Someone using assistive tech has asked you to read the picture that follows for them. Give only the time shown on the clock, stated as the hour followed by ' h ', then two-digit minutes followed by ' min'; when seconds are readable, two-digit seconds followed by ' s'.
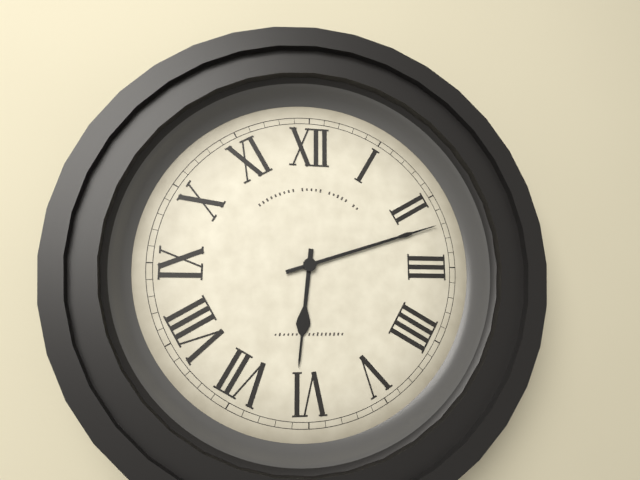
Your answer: 6 h 12 min
